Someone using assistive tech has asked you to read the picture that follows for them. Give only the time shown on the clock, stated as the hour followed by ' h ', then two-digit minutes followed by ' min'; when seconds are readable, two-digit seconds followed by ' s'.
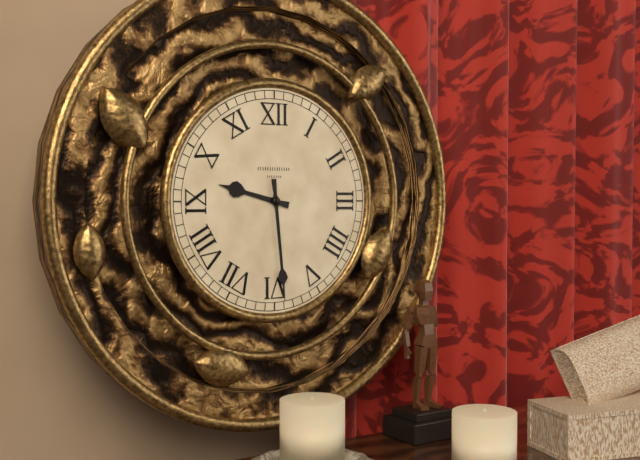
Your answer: 9 h 29 min
